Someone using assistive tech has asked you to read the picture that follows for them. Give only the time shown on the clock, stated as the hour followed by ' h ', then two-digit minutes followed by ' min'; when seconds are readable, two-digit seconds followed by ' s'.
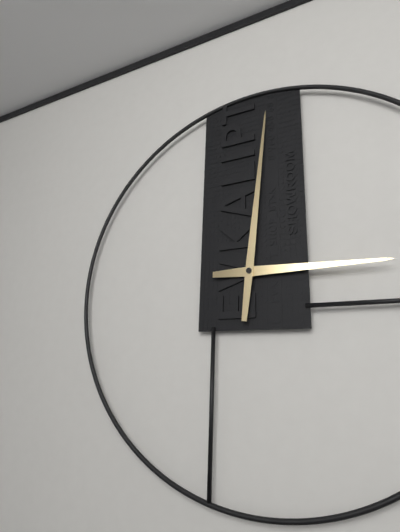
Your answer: 3 h 01 min
